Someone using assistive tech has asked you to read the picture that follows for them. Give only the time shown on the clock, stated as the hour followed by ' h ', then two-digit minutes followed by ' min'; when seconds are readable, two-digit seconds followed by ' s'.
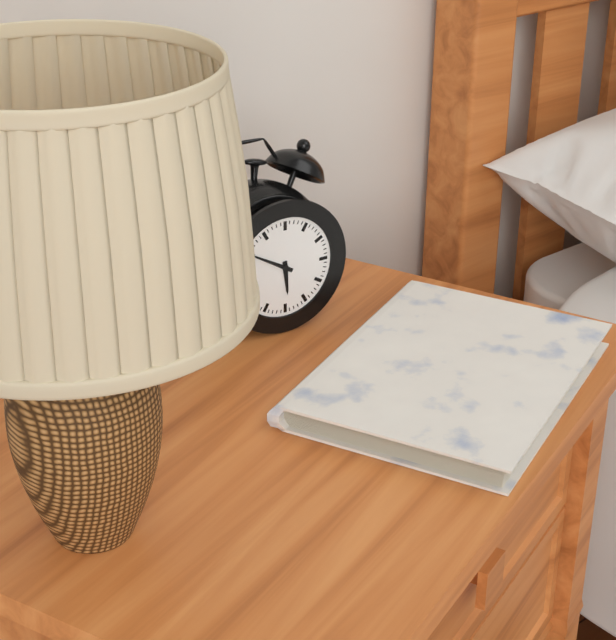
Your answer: 5 h 50 min
